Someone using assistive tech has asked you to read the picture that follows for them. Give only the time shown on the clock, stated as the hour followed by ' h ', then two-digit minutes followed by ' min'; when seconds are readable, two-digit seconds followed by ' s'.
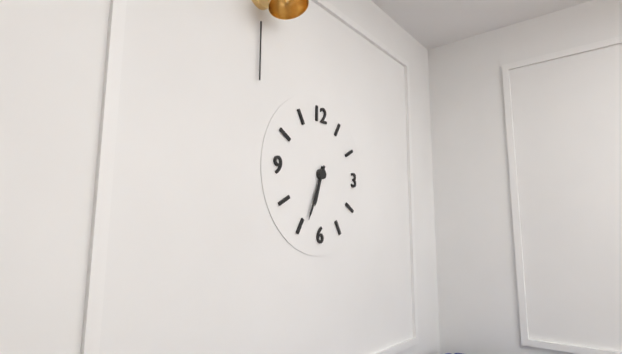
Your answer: 6 h 34 min
